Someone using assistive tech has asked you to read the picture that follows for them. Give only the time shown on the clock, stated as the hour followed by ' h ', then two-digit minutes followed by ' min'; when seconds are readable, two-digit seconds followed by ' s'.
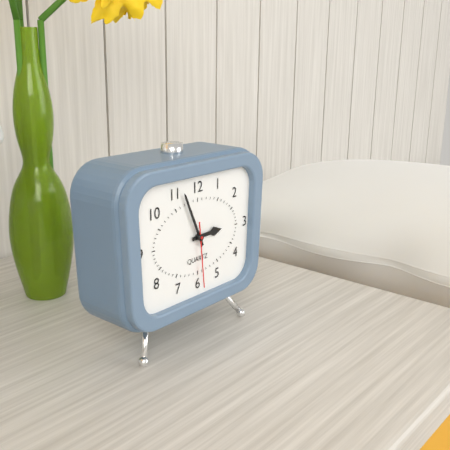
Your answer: 2 h 56 min 29 s
